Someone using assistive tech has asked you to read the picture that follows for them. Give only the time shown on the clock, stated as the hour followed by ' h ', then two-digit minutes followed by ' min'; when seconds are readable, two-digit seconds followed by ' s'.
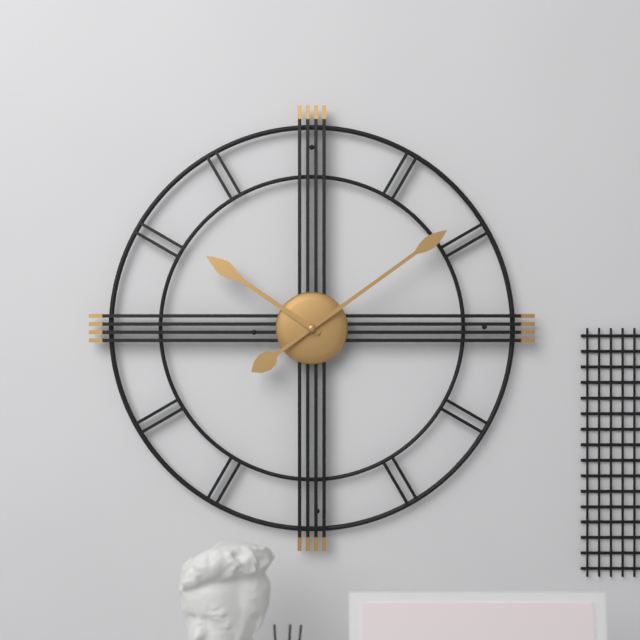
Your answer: 10 h 09 min
